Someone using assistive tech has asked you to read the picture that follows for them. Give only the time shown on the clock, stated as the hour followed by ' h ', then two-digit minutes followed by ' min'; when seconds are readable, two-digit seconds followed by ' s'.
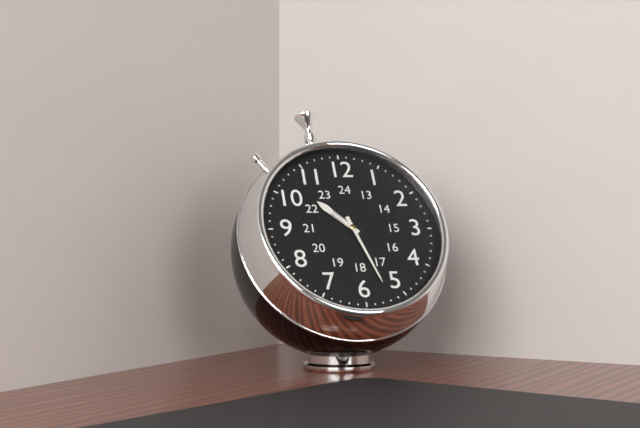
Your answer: 10 h 27 min
